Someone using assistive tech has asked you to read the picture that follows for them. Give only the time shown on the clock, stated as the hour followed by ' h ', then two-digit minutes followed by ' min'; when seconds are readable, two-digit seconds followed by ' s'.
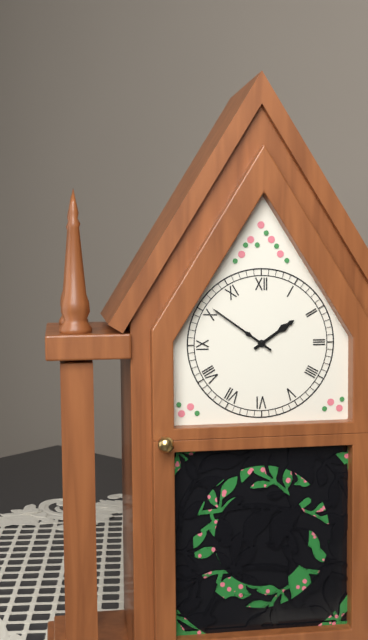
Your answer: 1 h 51 min
